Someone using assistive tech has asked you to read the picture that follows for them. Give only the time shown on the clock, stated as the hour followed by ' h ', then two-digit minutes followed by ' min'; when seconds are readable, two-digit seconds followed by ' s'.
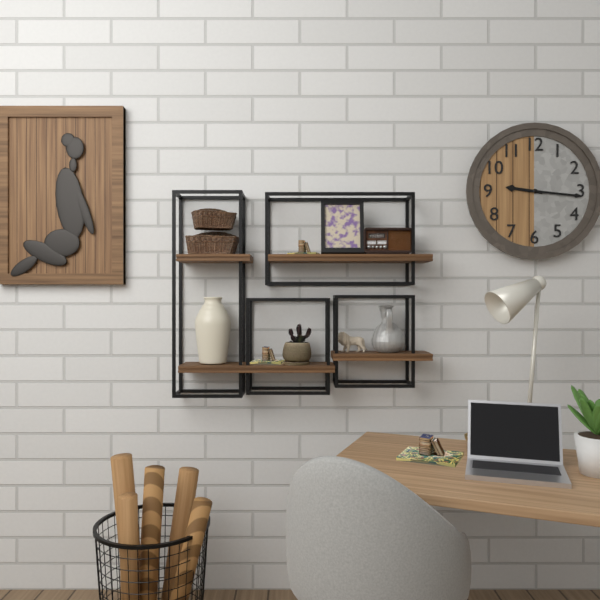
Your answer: 9 h 16 min
